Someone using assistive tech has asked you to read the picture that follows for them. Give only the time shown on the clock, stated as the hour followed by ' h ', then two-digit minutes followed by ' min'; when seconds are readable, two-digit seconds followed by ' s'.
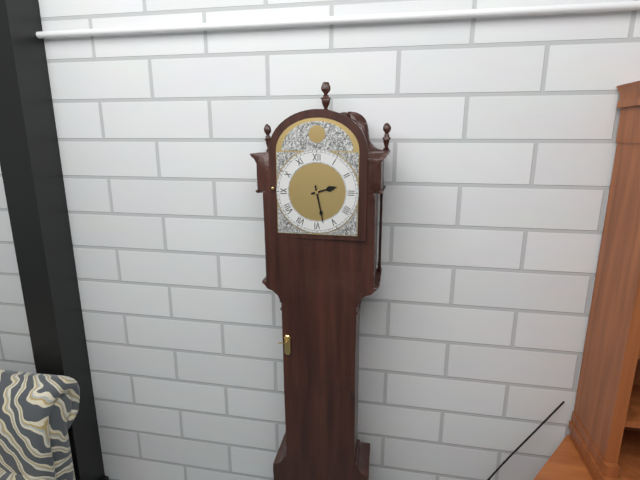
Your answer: 2 h 28 min
